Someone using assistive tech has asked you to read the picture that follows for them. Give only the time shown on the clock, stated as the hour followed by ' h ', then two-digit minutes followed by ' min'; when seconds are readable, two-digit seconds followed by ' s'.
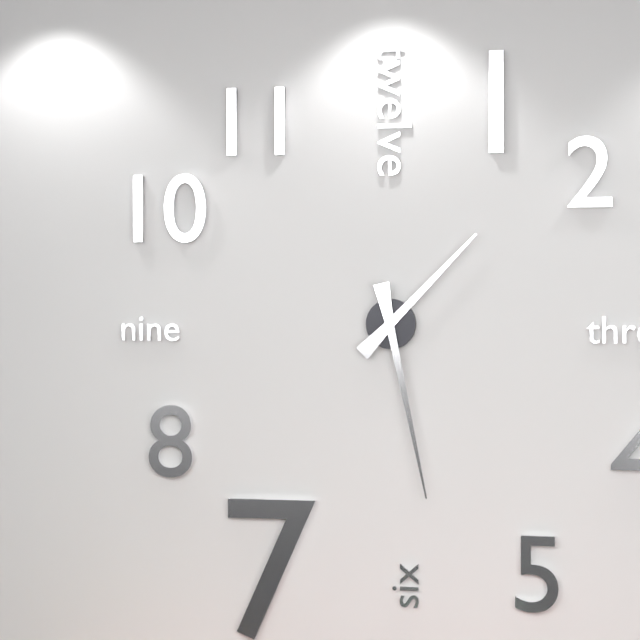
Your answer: 1 h 28 min
